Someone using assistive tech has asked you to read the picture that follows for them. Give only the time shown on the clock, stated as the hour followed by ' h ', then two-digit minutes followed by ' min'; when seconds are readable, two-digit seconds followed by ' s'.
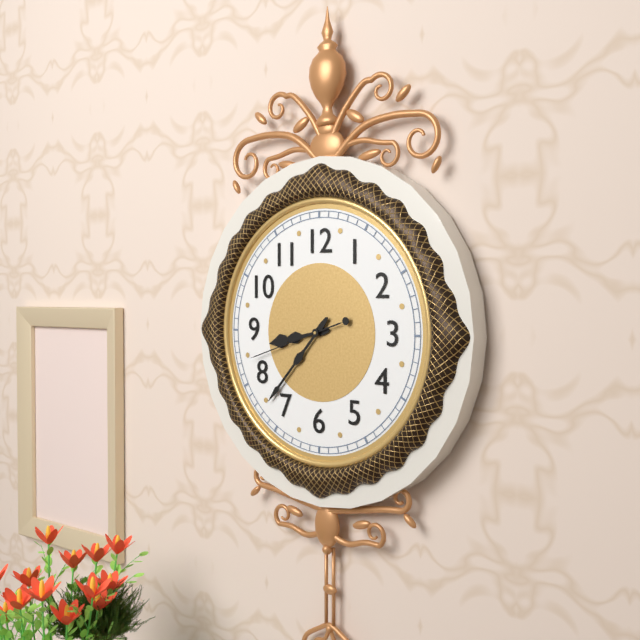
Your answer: 8 h 37 min 42 s
